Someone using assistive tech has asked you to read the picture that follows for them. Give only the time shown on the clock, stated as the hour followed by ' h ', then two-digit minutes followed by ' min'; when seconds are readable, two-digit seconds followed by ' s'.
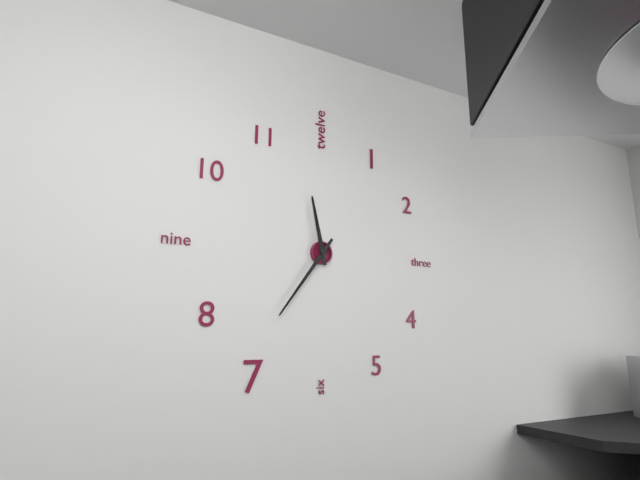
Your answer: 11 h 36 min
